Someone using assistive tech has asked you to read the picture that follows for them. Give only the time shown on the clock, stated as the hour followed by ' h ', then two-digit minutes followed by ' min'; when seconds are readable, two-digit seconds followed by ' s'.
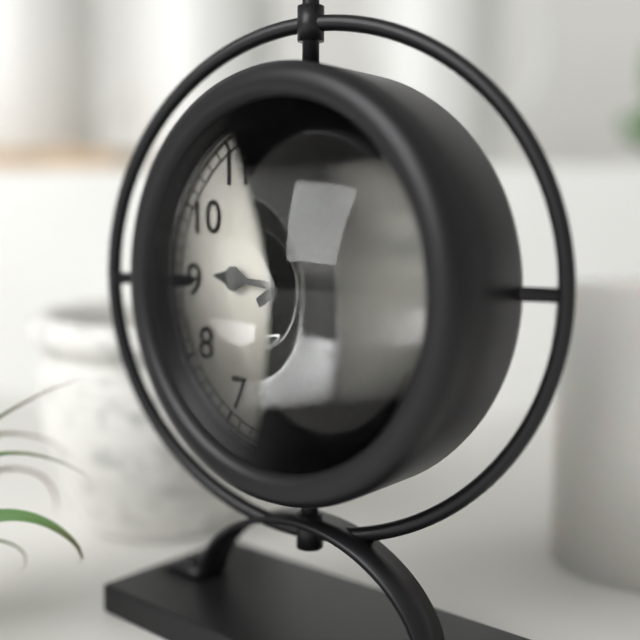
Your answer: 9 h 10 min
